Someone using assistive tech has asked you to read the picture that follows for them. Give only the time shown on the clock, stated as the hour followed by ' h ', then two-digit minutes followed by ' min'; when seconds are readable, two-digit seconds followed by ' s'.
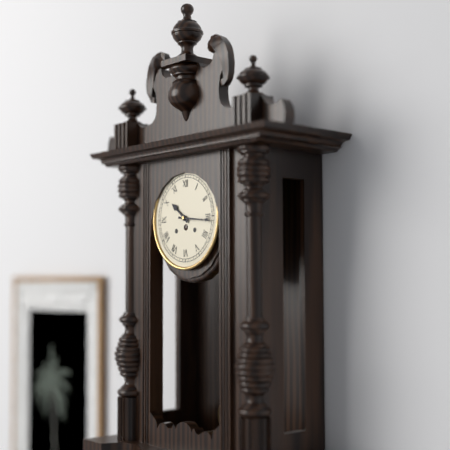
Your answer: 10 h 16 min
